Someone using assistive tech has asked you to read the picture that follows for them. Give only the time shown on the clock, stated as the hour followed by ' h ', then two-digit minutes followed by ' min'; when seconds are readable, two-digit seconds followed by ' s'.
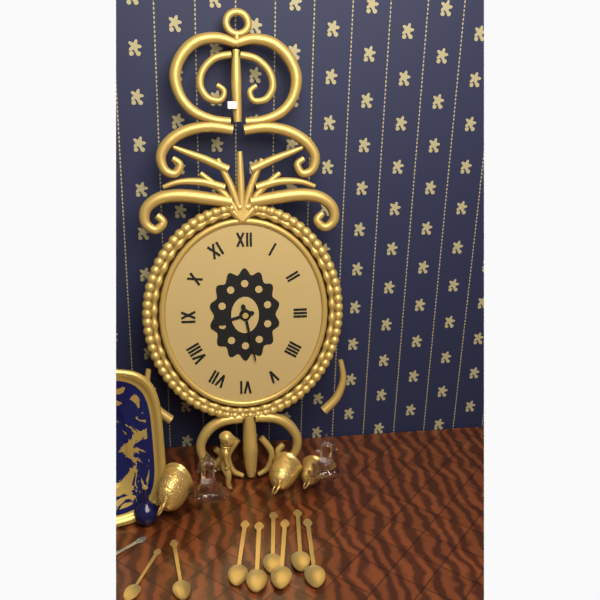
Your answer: 8 h 28 min
